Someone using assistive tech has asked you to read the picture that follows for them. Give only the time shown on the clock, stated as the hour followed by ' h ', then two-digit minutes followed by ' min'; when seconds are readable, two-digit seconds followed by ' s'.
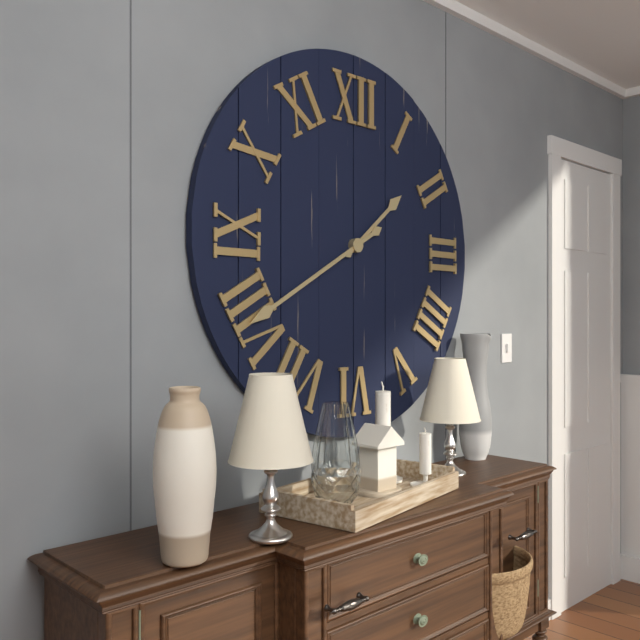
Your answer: 1 h 40 min
